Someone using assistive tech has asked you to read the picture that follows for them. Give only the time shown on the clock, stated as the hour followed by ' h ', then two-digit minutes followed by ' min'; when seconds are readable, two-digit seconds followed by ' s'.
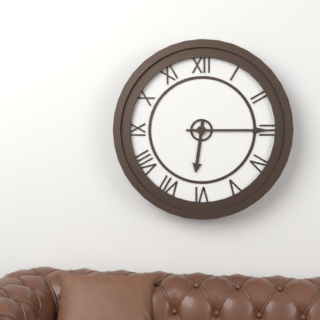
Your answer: 6 h 15 min
